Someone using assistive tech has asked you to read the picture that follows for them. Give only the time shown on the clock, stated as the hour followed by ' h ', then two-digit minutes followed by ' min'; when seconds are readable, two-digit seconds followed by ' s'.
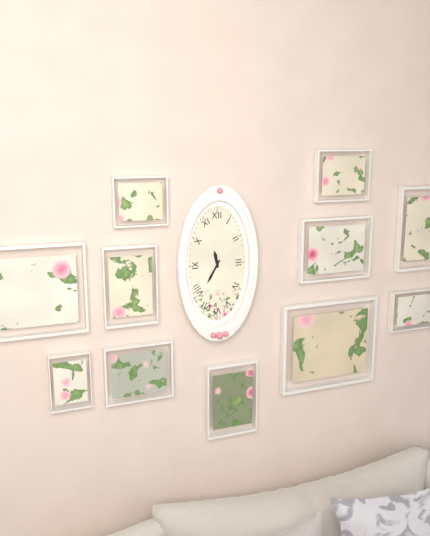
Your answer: 11 h 35 min
